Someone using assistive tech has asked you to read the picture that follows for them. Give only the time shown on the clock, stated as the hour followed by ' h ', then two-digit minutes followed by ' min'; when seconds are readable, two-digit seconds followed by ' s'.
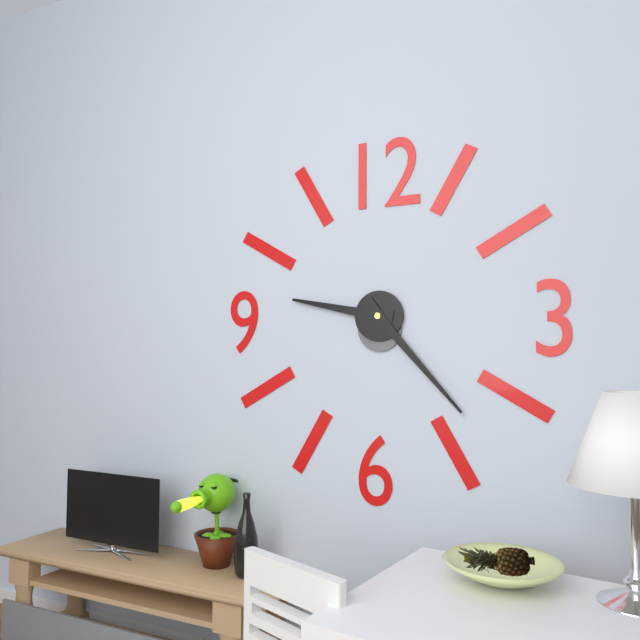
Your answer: 9 h 23 min
